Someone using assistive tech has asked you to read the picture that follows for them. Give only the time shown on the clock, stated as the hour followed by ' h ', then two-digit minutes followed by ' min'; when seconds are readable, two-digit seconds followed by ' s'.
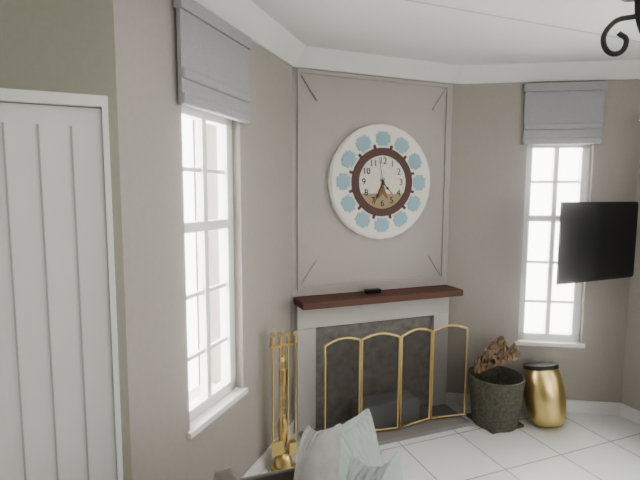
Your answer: 4 h 34 min
